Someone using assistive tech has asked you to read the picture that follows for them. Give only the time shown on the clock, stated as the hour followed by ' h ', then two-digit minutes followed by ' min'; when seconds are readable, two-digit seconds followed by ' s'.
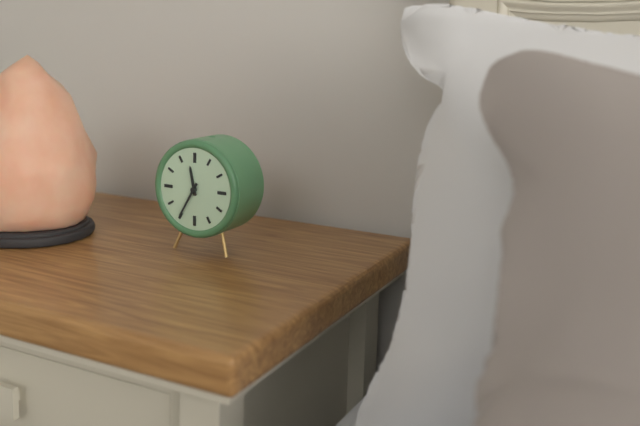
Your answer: 11 h 35 min
